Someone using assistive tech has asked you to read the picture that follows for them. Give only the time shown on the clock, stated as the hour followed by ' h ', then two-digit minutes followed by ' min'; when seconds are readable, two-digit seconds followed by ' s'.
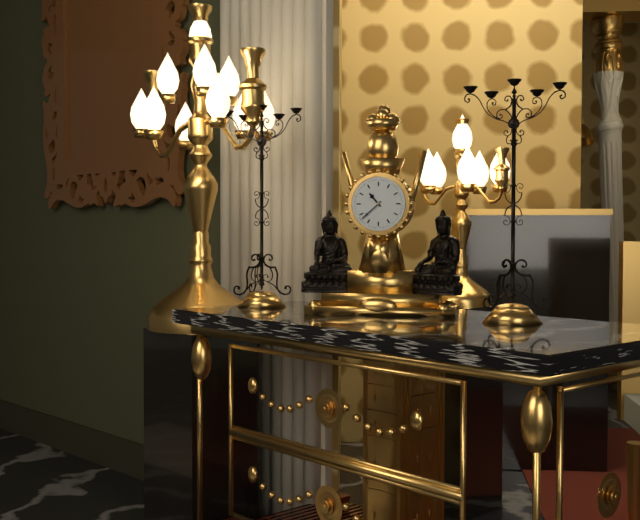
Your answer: 10 h 38 min
